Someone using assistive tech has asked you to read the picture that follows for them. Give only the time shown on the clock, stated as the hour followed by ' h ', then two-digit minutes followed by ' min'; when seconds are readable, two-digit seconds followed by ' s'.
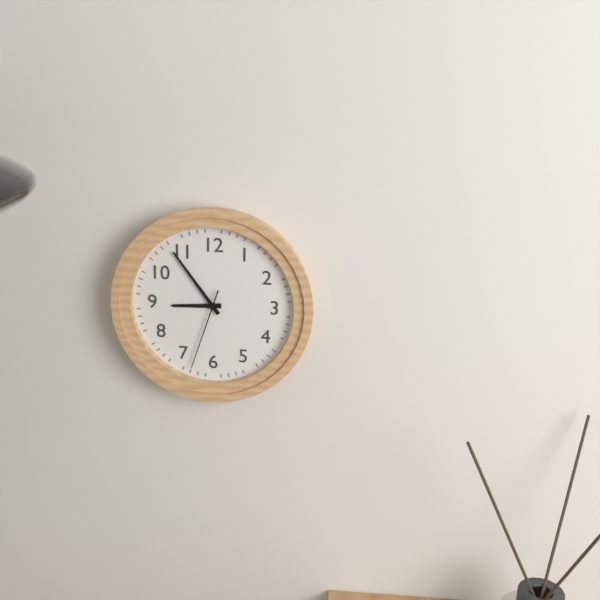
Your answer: 8 h 54 min 33 s
